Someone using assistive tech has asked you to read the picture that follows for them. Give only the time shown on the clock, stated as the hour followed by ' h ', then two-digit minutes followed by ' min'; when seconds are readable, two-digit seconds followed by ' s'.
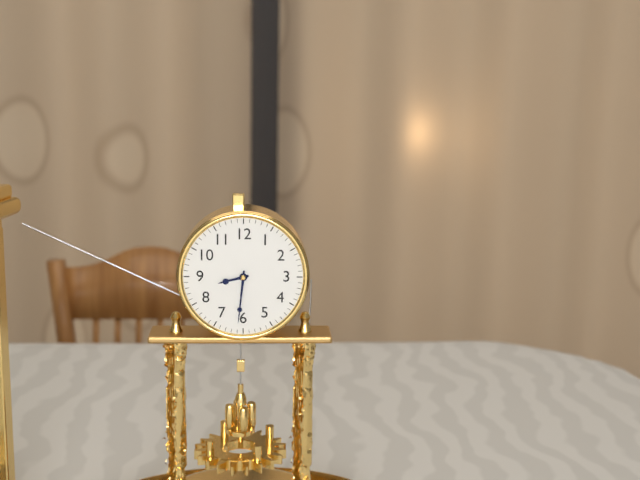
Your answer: 8 h 31 min
